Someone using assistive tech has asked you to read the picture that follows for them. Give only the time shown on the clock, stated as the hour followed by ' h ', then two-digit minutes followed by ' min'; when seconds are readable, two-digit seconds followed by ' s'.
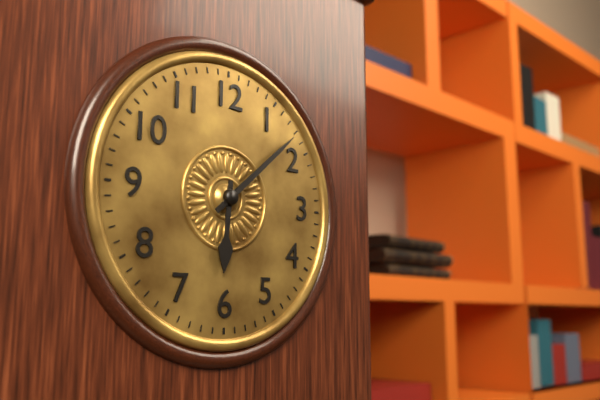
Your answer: 6 h 08 min
